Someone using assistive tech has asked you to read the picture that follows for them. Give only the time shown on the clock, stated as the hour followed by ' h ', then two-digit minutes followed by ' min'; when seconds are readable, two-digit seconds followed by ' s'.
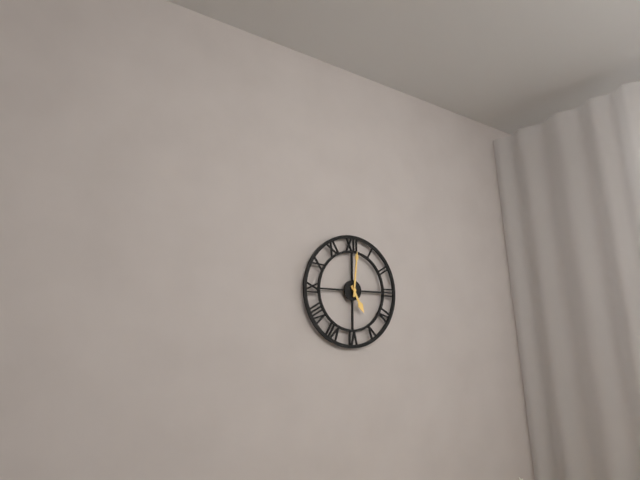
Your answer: 5 h 01 min
